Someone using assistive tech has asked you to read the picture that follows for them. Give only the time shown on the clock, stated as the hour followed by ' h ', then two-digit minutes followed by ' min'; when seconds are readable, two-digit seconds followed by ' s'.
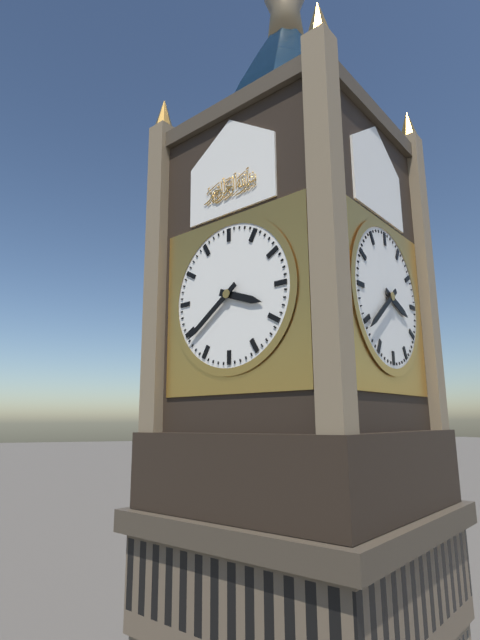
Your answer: 3 h 39 min
